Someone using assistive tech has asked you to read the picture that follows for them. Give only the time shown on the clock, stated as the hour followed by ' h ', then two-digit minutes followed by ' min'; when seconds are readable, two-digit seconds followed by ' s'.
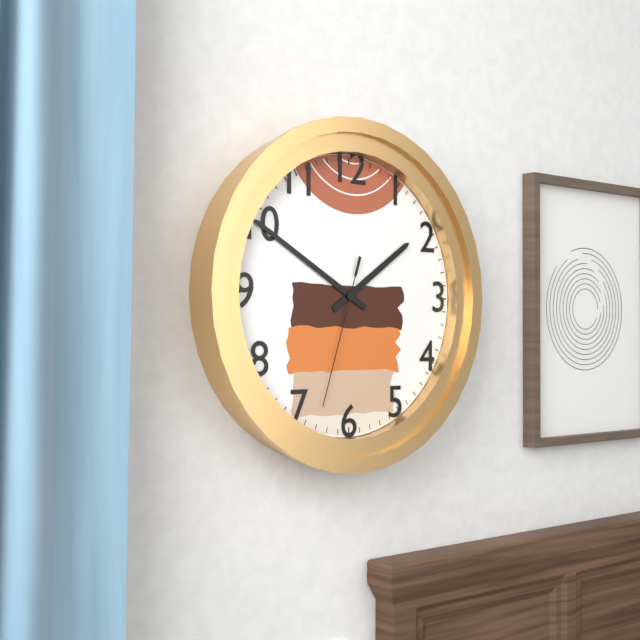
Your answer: 1 h 50 min 33 s
